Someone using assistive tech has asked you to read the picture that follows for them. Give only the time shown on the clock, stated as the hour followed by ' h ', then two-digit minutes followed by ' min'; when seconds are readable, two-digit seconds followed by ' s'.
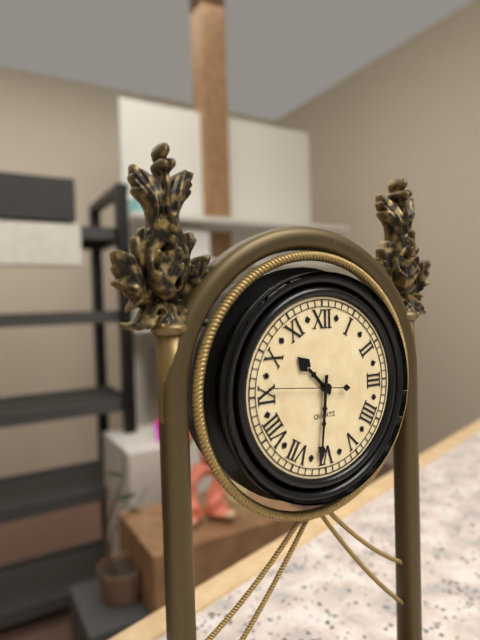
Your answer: 10 h 31 min 46 s
